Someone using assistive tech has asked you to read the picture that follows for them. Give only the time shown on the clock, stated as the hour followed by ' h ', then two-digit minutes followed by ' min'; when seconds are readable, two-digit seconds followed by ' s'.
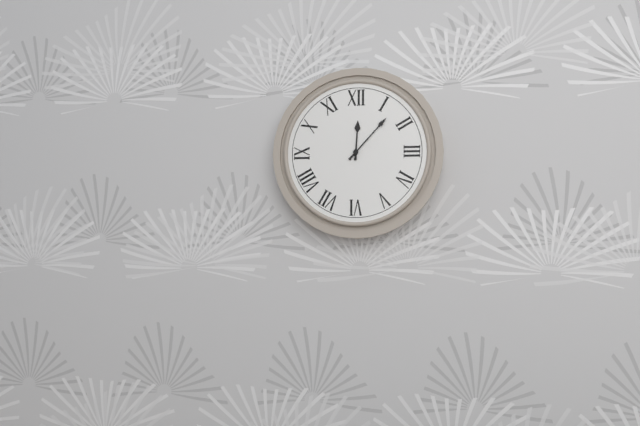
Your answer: 12 h 07 min
